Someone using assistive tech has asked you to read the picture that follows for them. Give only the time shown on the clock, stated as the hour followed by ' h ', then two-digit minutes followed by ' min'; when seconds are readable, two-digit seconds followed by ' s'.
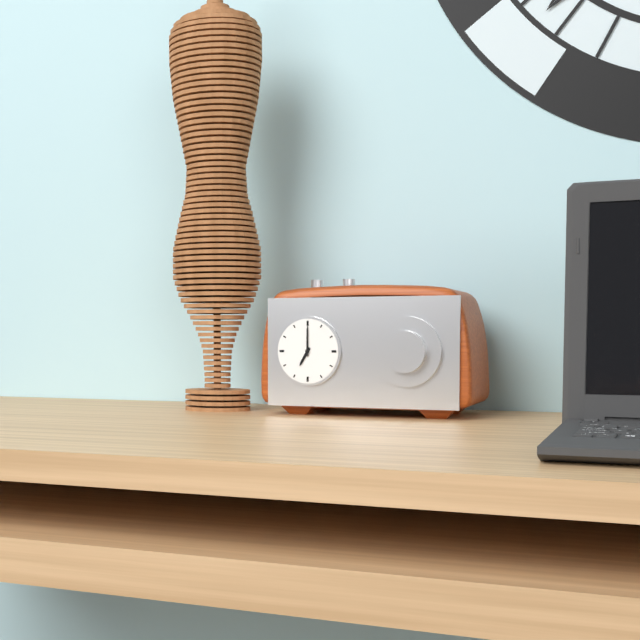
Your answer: 7 h 00 min
